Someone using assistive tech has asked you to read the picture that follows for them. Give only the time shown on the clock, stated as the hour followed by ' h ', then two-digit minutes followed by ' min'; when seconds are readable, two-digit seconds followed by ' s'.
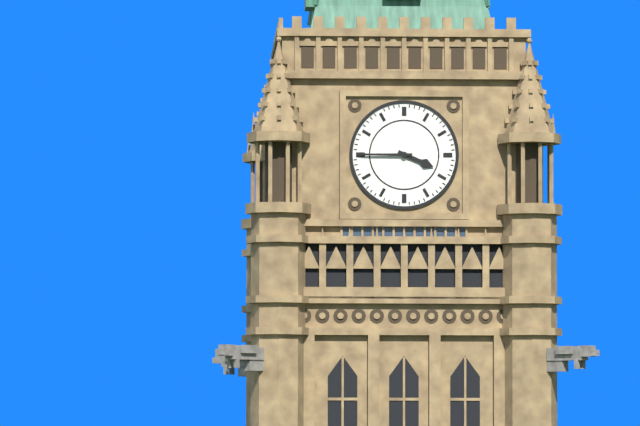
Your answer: 3 h 45 min
